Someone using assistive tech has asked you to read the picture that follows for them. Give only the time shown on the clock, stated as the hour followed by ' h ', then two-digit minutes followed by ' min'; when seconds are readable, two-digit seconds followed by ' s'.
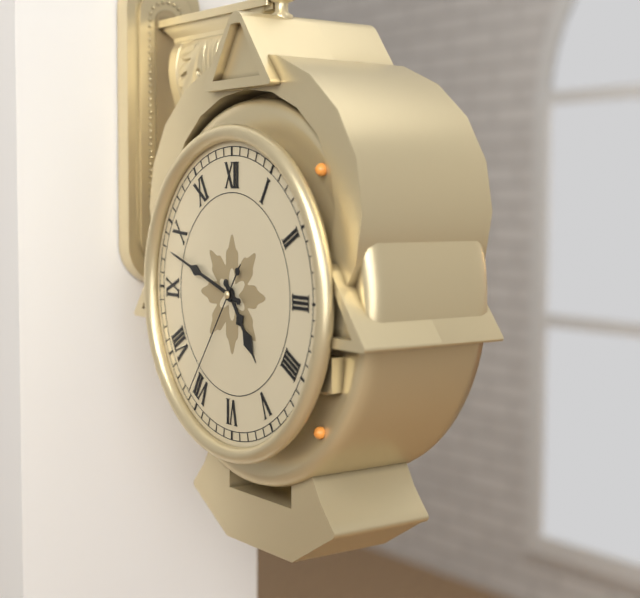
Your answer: 4 h 48 min 36 s
